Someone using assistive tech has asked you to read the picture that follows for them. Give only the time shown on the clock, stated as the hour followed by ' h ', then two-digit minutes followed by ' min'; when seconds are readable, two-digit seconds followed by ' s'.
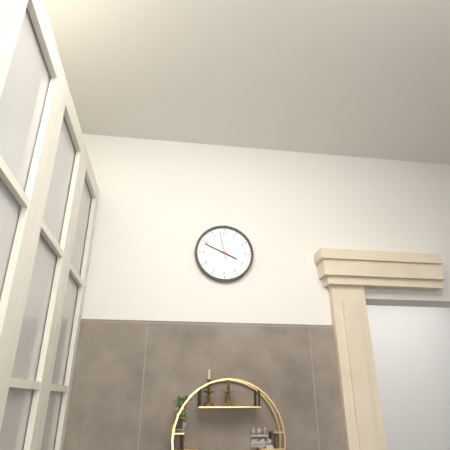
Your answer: 3 h 49 min
